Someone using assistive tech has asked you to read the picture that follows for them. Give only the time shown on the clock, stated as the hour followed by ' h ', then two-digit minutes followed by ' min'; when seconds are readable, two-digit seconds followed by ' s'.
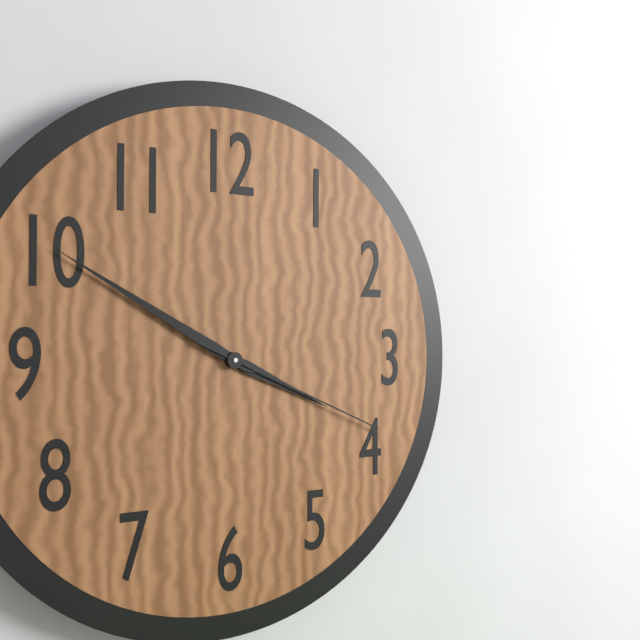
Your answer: 3 h 50 min 19 s
